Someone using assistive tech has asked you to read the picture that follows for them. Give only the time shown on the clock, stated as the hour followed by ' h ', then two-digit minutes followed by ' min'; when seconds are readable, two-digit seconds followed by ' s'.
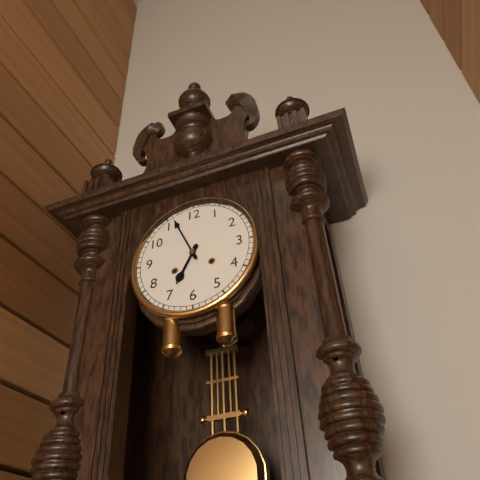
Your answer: 6 h 56 min
